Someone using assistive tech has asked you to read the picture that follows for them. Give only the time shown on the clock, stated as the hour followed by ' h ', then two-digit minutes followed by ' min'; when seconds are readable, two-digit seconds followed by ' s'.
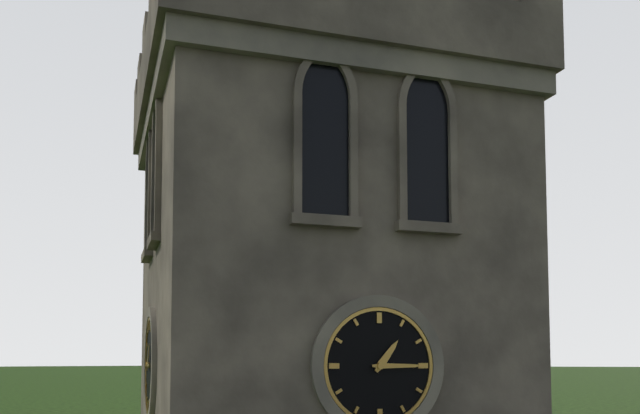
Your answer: 1 h 15 min
